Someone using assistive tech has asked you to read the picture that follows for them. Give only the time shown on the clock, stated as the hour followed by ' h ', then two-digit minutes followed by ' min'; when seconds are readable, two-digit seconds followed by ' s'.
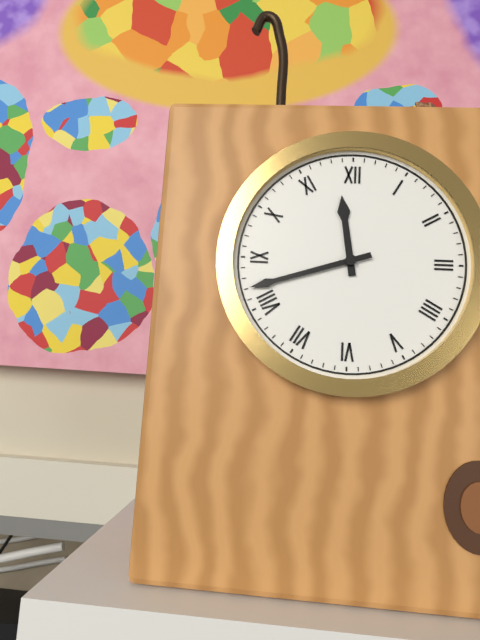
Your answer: 11 h 42 min
